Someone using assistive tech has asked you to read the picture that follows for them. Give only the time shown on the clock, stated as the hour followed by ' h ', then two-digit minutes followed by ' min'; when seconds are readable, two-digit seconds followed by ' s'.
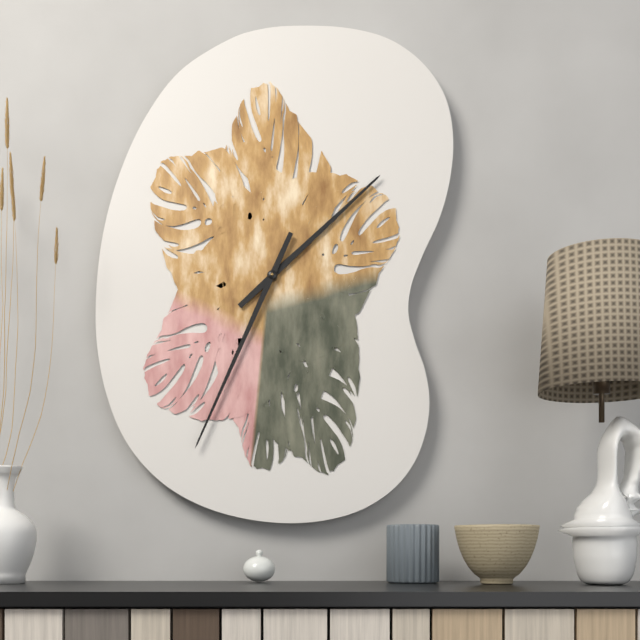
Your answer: 1 h 34 min
